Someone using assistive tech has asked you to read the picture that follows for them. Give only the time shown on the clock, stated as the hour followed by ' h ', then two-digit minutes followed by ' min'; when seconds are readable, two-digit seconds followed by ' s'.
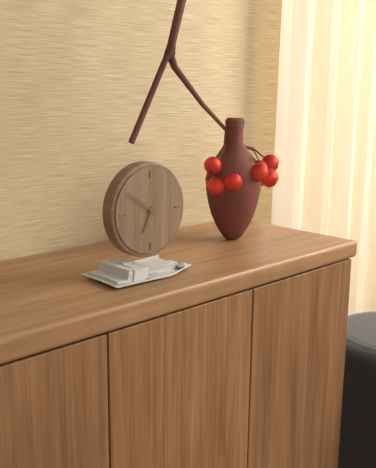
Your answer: 6 h 51 min
